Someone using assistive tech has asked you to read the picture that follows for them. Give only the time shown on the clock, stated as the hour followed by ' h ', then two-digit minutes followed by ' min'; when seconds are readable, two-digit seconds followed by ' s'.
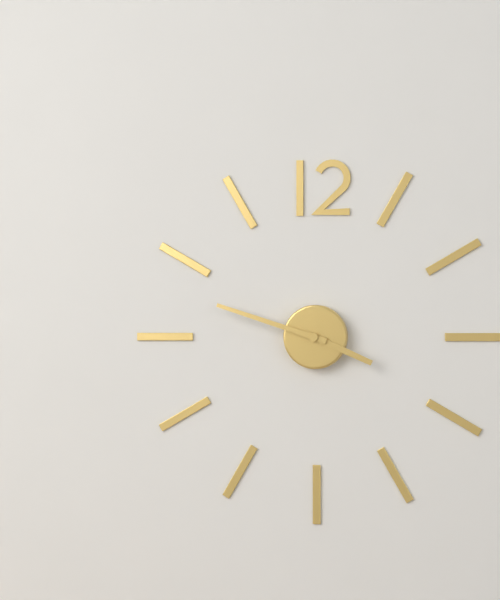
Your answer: 3 h 48 min
